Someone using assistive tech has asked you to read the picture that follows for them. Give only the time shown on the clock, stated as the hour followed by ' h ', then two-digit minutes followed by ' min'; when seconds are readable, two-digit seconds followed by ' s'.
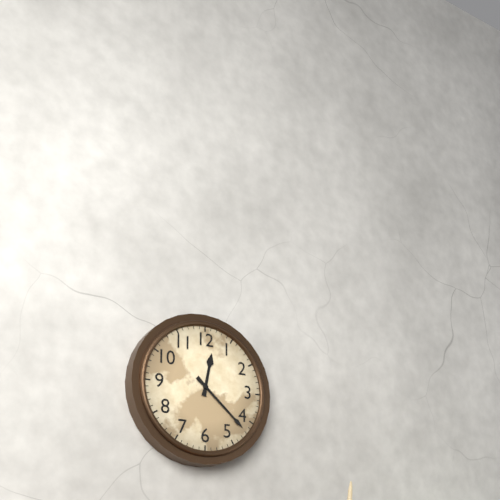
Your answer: 12 h 22 min
